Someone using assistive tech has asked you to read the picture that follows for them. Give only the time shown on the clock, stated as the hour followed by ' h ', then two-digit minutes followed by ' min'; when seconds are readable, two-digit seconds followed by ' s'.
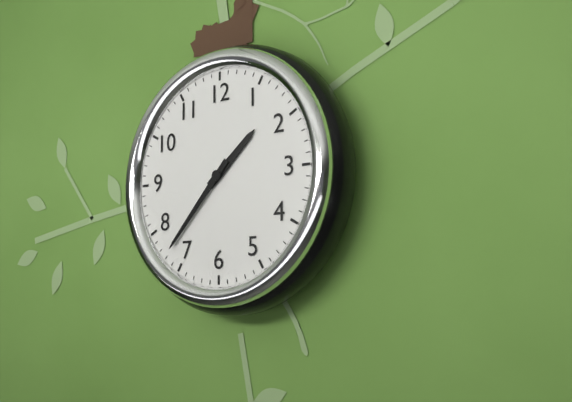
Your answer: 1 h 37 min
